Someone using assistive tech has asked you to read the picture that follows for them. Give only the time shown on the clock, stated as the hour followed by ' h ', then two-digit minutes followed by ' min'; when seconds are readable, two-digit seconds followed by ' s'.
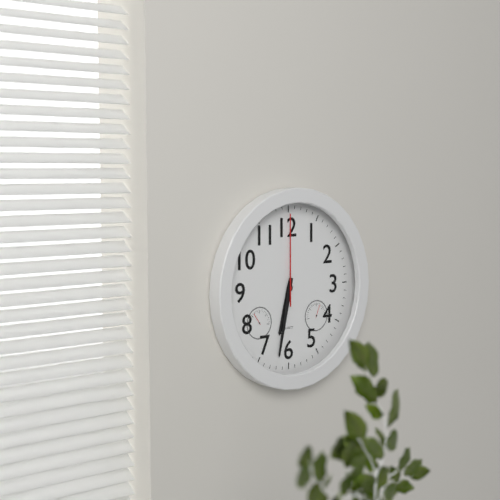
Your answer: 6 h 32 min 00 s
